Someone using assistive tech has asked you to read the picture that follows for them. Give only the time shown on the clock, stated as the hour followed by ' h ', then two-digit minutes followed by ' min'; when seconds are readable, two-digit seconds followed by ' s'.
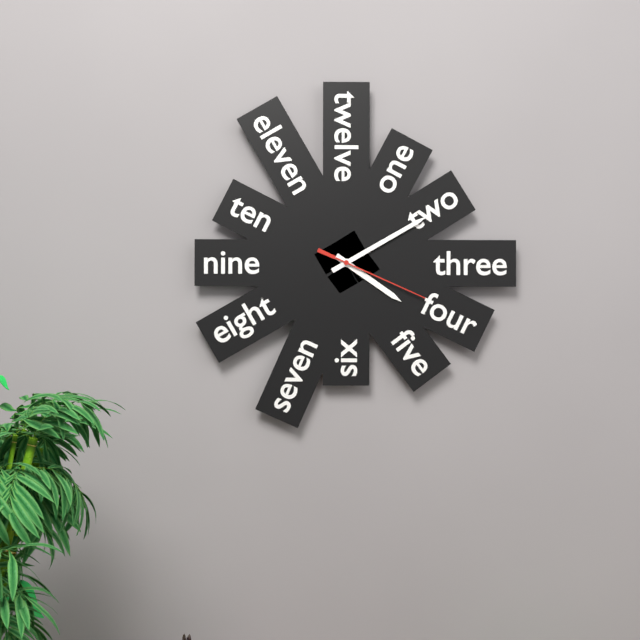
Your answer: 4 h 10 min 19 s
